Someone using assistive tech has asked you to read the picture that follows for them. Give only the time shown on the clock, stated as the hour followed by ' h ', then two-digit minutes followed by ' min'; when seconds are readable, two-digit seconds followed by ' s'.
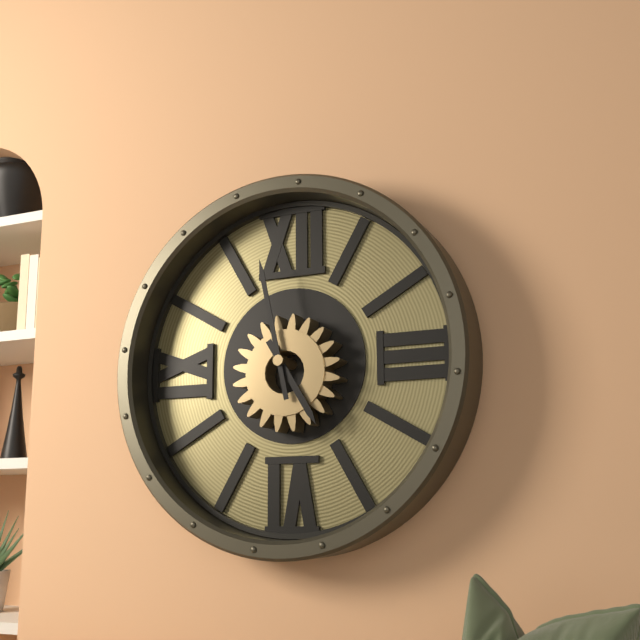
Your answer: 4 h 58 min
